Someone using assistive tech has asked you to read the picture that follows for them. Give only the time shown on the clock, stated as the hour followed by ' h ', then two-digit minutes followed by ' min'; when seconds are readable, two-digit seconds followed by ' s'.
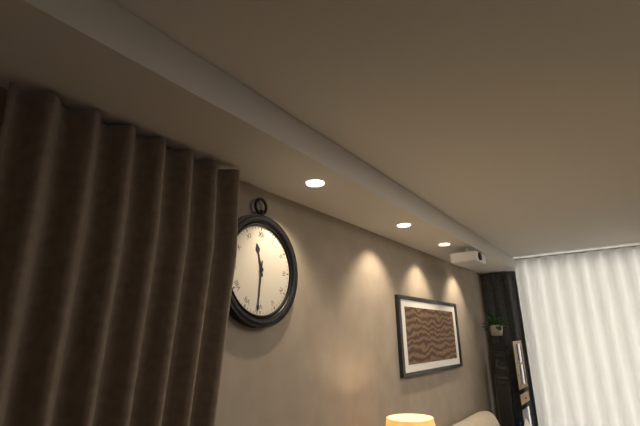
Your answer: 11 h 31 min
